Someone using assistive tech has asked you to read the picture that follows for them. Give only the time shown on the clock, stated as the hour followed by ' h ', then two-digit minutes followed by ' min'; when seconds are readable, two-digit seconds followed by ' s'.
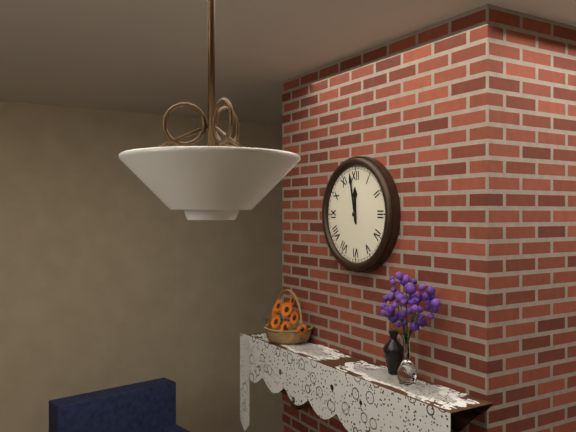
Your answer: 11 h 58 min
